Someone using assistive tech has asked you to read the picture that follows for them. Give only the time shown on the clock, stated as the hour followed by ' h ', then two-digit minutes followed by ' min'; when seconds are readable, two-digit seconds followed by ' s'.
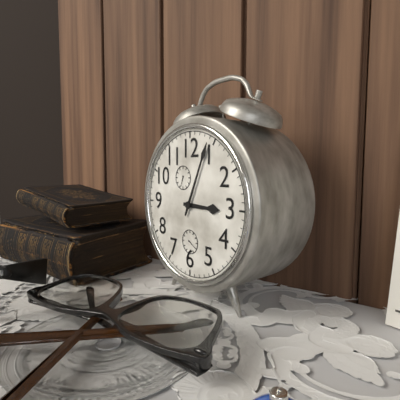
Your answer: 3 h 04 min
